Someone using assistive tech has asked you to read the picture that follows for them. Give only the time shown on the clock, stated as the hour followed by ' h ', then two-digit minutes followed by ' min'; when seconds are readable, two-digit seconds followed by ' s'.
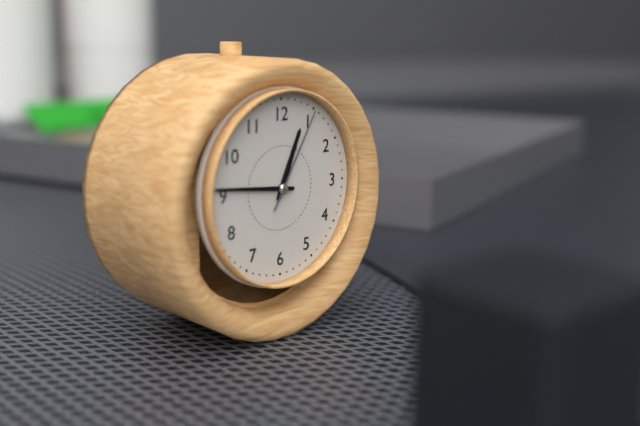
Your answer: 12 h 46 min 05 s
